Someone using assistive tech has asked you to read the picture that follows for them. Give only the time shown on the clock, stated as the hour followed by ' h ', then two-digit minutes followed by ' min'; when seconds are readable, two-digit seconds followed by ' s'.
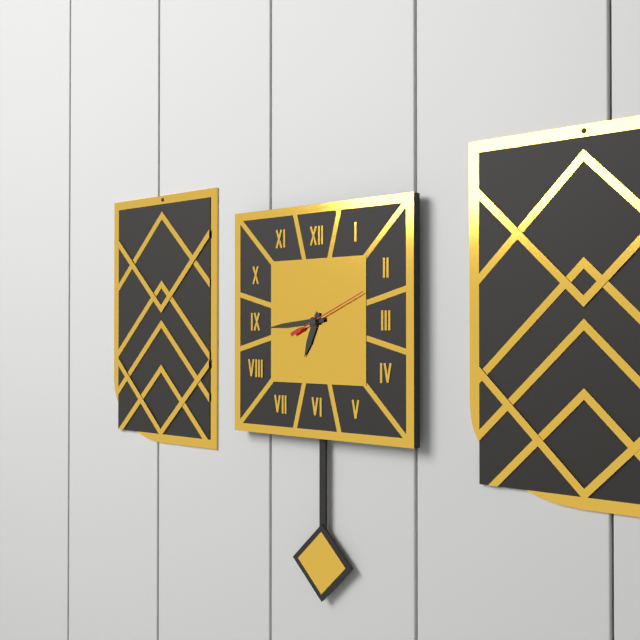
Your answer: 6 h 44 min 11 s
